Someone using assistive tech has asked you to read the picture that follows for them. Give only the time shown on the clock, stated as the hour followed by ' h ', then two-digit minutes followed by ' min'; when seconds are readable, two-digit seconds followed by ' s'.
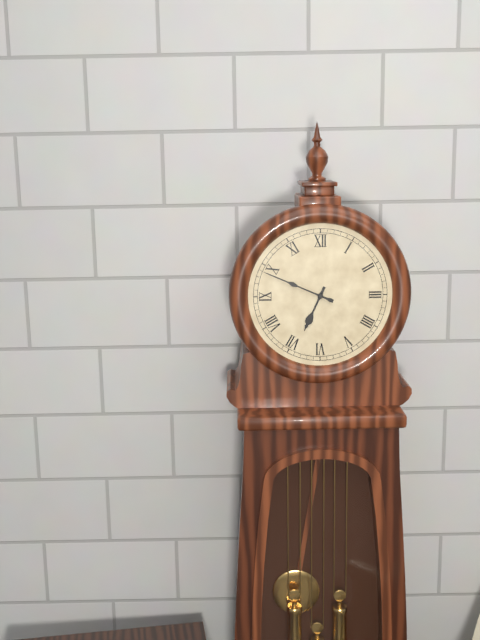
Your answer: 6 h 49 min
